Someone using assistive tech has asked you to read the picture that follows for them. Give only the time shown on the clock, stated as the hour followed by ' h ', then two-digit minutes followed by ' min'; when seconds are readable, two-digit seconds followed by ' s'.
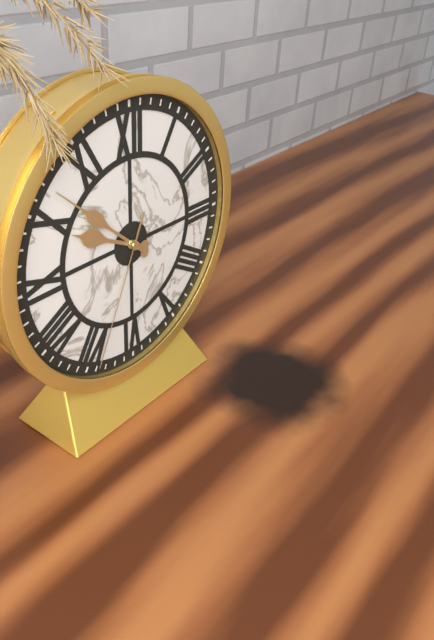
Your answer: 9 h 52 min 34 s
